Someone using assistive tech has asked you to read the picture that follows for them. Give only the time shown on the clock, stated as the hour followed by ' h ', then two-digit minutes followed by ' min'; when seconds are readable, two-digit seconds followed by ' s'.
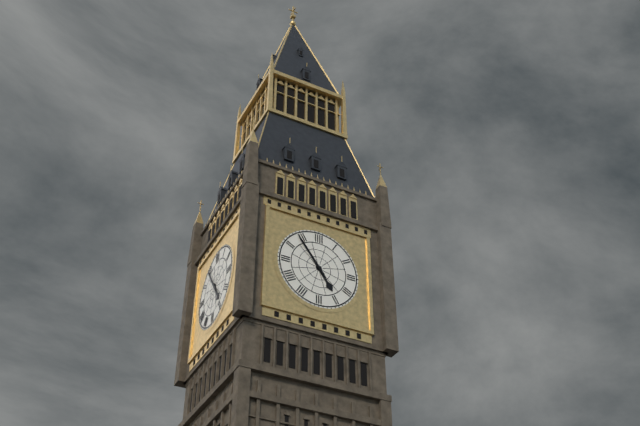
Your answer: 4 h 54 min
